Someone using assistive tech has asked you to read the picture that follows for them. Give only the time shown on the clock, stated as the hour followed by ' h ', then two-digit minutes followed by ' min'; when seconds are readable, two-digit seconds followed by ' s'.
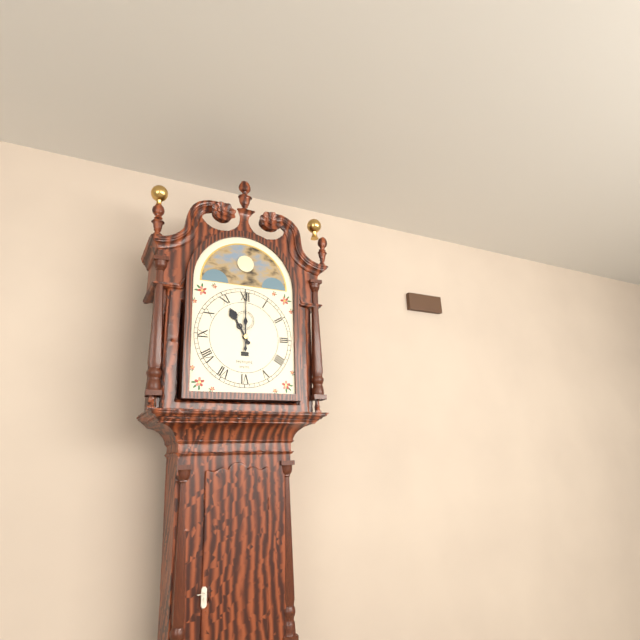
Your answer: 11 h 00 min
